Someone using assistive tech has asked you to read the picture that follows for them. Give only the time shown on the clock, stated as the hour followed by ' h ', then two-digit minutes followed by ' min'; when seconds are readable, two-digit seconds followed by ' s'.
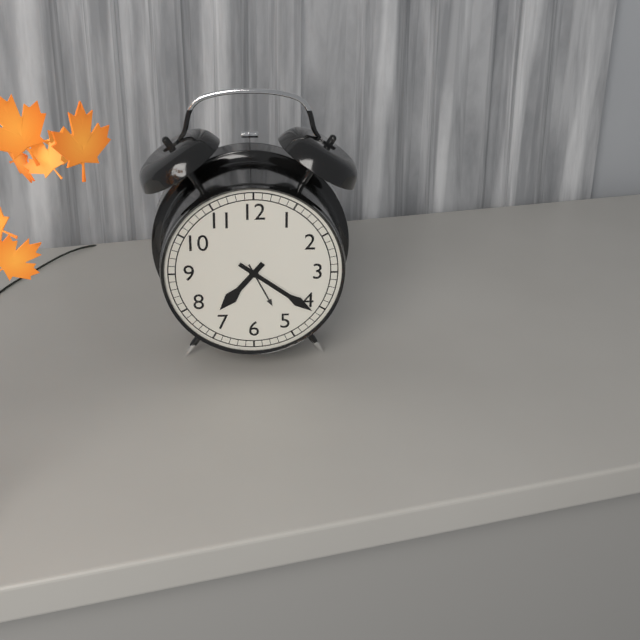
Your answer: 7 h 21 min
